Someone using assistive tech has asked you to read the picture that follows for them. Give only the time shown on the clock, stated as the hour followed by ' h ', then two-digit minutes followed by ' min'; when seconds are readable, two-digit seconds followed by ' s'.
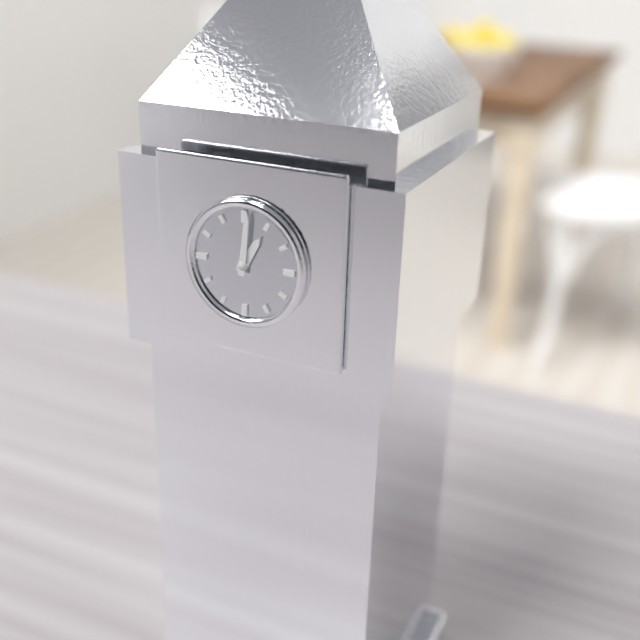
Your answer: 1 h 01 min
